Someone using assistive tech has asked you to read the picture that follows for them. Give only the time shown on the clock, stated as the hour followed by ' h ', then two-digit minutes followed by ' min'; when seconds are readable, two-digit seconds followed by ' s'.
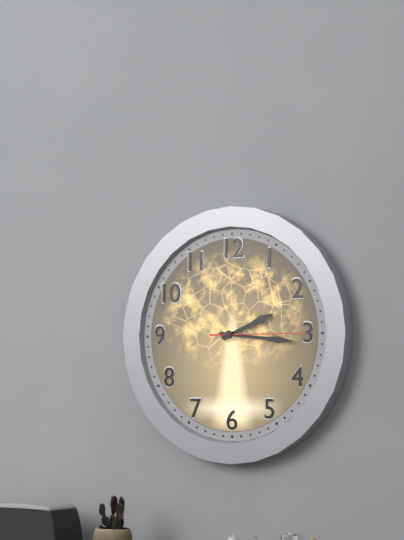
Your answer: 2 h 16 min 15 s
